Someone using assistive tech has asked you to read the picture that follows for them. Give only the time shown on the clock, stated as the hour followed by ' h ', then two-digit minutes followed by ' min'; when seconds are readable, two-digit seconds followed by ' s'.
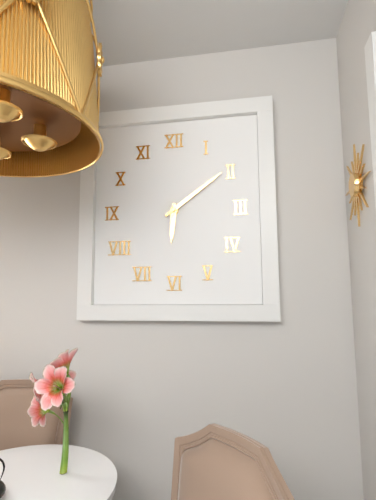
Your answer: 6 h 09 min
